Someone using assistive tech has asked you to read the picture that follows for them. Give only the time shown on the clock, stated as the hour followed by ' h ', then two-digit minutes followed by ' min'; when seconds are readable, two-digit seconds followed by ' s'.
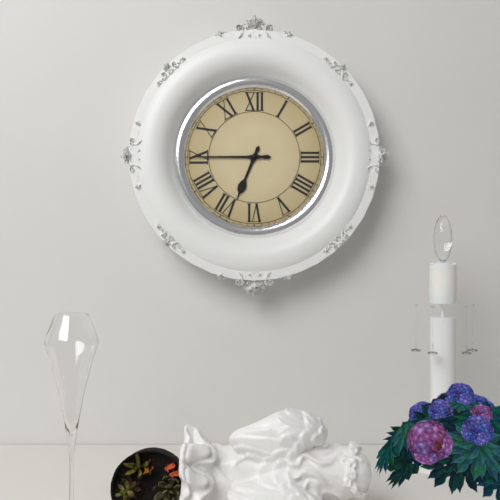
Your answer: 6 h 45 min
